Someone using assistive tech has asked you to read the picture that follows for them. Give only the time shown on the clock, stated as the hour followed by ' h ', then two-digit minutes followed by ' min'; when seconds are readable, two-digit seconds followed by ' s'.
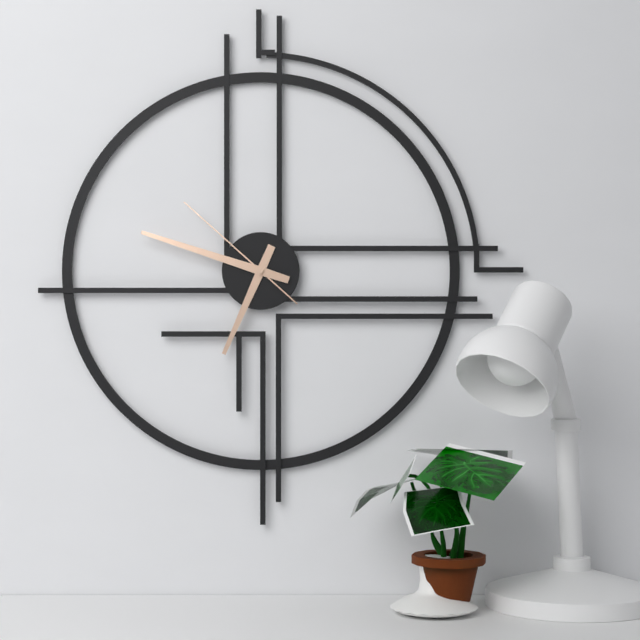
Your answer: 6 h 48 min 52 s
